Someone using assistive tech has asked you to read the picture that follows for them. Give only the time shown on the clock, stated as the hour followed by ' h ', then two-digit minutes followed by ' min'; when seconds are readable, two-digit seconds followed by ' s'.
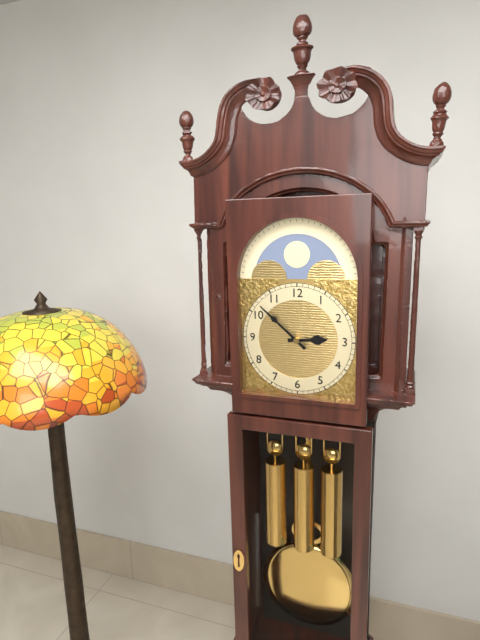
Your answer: 2 h 52 min
